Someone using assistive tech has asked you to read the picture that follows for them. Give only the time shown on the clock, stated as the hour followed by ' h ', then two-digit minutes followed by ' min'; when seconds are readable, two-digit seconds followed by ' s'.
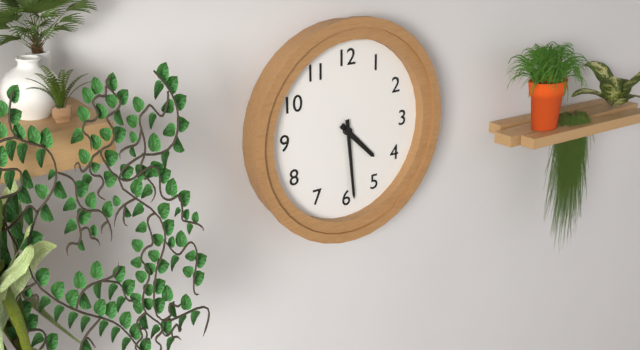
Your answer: 4 h 29 min
